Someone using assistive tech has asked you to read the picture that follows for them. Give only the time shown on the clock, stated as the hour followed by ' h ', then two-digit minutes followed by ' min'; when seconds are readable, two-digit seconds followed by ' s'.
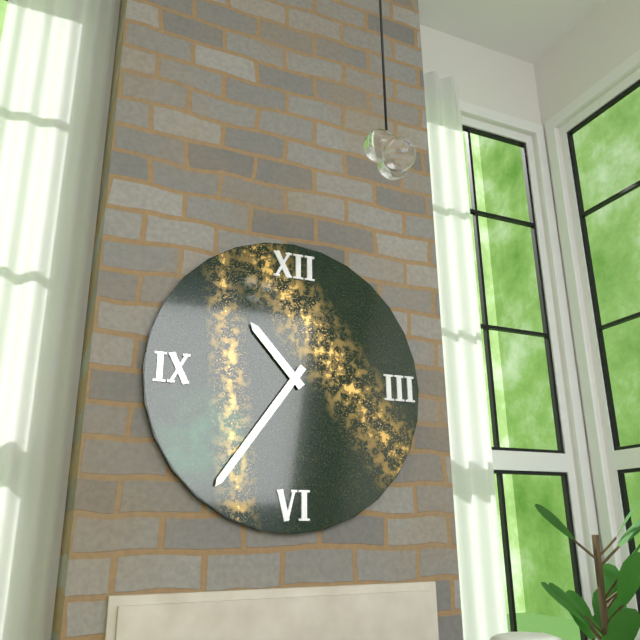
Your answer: 10 h 36 min
